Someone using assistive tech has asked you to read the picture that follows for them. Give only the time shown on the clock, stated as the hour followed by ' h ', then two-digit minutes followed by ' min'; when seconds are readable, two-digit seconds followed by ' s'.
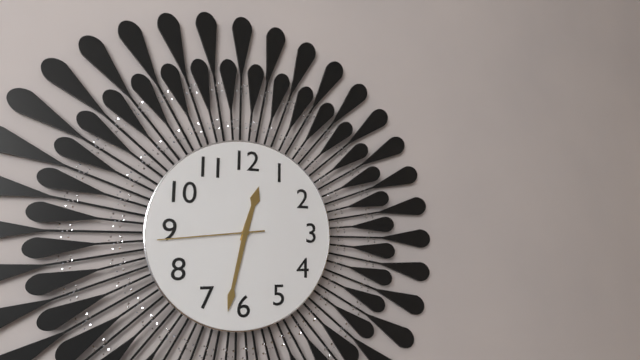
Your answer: 12 h 32 min 44 s
